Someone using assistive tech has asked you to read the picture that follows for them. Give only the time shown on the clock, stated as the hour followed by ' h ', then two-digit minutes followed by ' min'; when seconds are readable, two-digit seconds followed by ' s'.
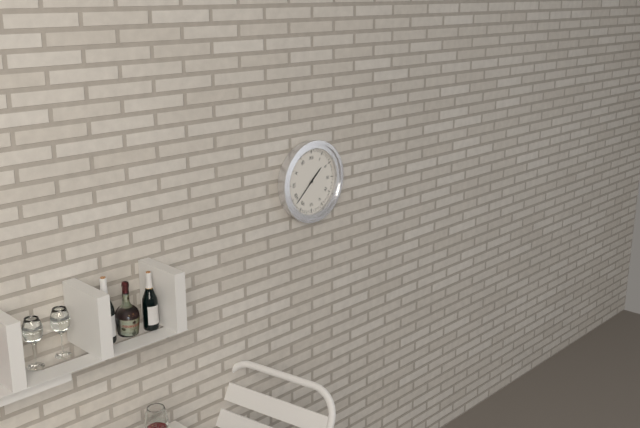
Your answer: 1 h 38 min
